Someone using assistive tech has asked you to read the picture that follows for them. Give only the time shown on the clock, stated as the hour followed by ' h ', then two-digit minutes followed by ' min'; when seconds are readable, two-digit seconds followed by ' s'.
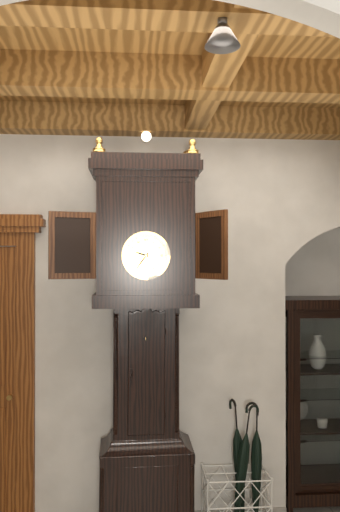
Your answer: 9 h 36 min
